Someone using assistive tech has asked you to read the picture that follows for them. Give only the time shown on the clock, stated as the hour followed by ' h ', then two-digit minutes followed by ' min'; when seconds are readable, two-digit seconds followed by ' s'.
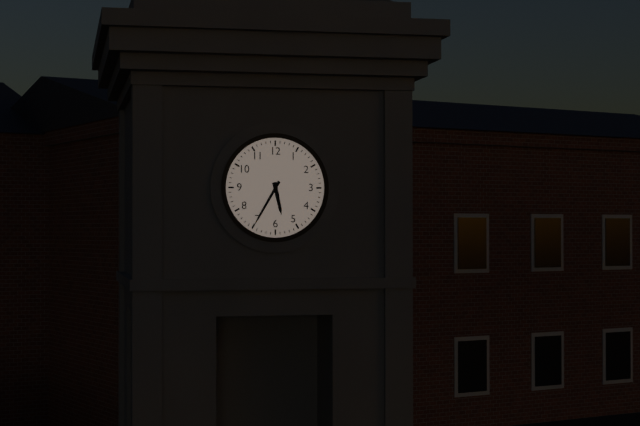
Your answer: 5 h 35 min
